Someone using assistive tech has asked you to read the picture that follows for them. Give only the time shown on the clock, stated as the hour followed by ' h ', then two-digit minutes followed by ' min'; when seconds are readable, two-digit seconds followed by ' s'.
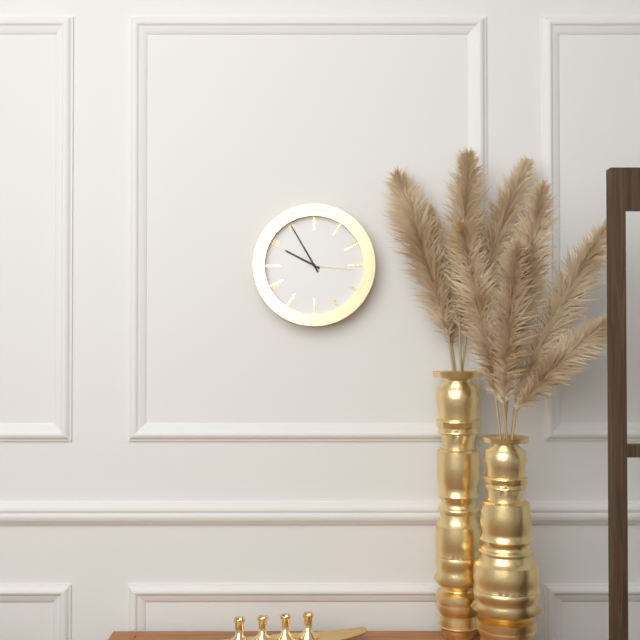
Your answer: 9 h 55 min 16 s
